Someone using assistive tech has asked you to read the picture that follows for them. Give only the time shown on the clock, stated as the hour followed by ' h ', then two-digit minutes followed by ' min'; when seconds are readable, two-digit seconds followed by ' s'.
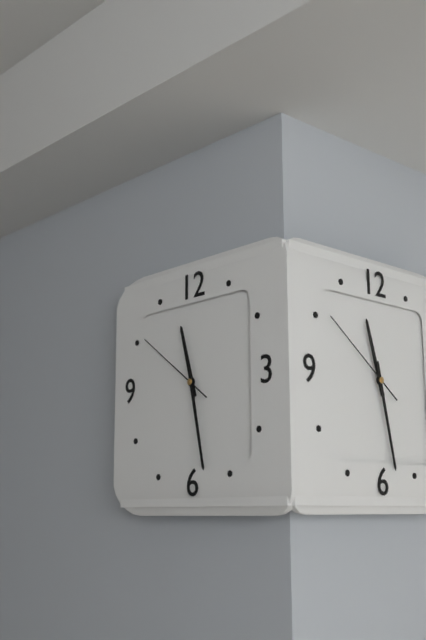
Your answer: 11 h 28 min 51 s
